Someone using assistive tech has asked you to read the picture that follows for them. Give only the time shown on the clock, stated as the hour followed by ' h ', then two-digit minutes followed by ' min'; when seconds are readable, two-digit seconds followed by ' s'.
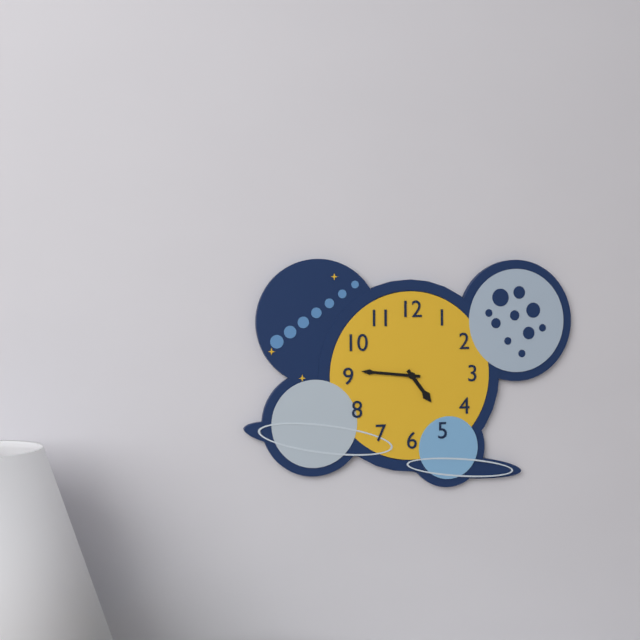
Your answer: 4 h 46 min
